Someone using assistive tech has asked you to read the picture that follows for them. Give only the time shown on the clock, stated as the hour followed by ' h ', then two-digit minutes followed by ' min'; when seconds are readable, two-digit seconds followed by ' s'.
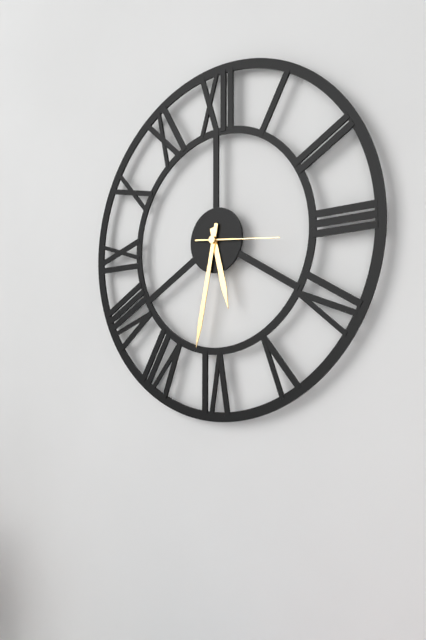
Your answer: 5 h 32 min 16 s
